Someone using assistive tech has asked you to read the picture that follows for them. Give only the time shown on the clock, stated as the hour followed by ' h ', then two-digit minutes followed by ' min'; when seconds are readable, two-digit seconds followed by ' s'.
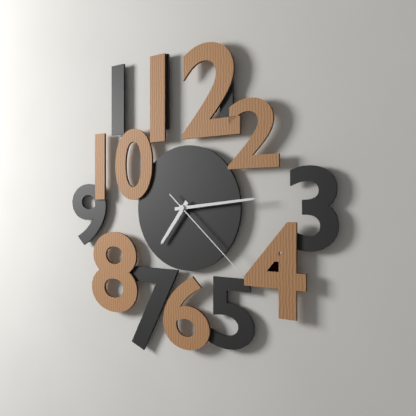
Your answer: 7 h 14 min 22 s
